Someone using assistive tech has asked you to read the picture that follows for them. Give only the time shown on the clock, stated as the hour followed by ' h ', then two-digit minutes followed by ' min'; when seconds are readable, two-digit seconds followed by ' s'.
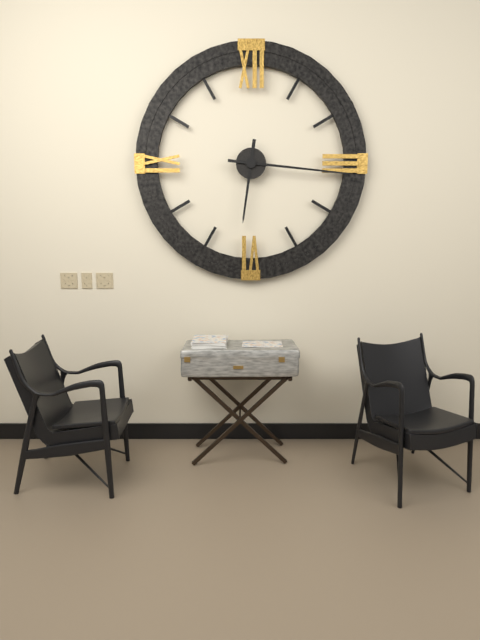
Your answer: 6 h 16 min
